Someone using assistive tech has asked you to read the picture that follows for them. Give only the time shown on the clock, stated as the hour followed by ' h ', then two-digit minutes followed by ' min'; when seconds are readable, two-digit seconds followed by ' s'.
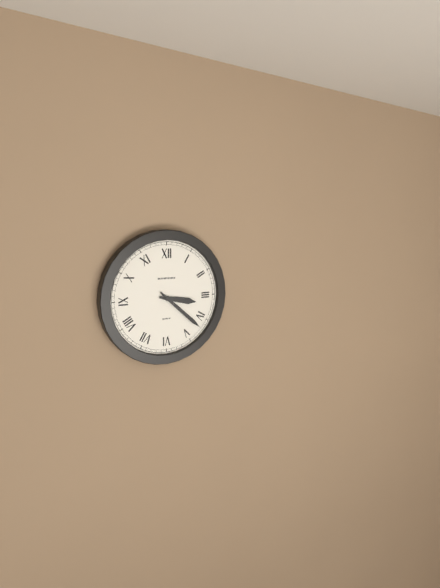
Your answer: 3 h 22 min
